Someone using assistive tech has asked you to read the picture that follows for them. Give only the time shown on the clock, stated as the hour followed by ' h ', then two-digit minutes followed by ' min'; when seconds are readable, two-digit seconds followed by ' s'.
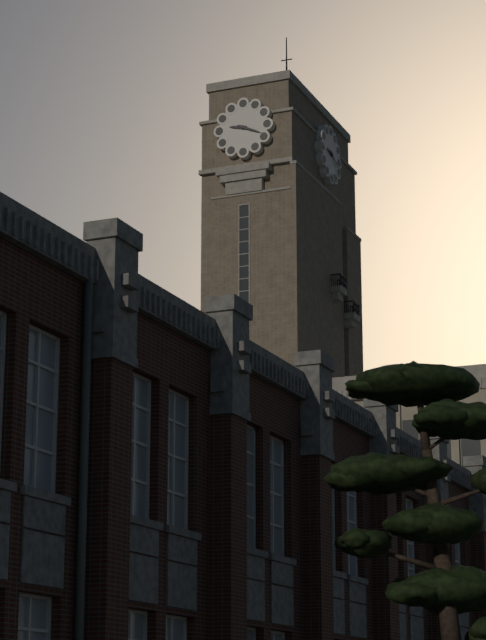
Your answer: 9 h 19 min
